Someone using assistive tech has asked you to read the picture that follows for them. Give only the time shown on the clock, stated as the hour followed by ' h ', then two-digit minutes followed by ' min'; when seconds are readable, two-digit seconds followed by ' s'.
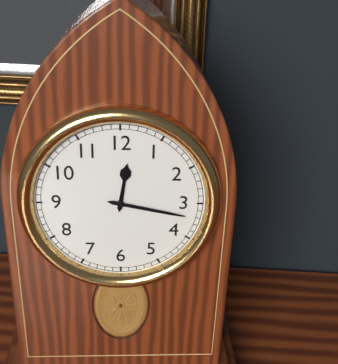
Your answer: 12 h 17 min
